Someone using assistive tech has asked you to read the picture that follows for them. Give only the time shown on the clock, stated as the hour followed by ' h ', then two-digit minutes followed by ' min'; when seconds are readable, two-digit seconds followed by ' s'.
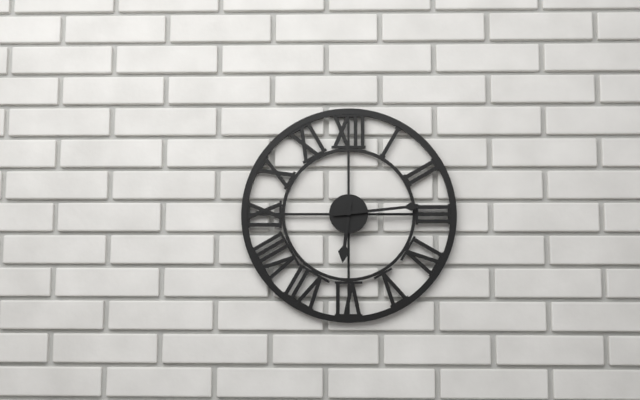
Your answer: 6 h 14 min
